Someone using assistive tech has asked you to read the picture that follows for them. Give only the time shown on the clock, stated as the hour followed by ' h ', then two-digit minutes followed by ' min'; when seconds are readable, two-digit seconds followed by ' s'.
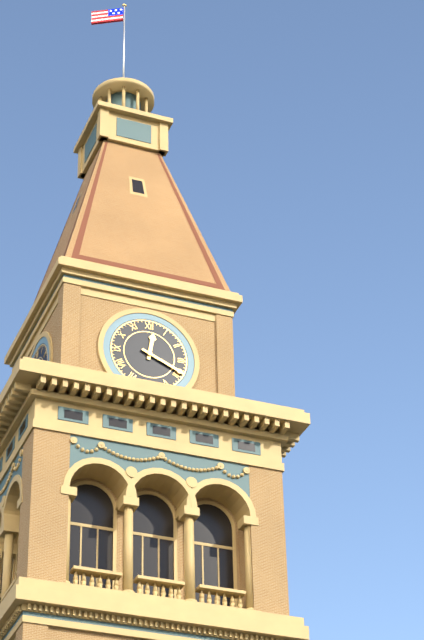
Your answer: 12 h 19 min
